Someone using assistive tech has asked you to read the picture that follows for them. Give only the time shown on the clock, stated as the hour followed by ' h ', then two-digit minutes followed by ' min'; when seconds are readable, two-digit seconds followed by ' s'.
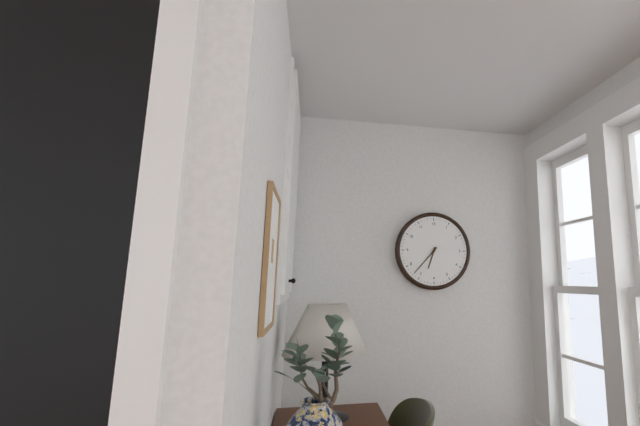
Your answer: 6 h 37 min
